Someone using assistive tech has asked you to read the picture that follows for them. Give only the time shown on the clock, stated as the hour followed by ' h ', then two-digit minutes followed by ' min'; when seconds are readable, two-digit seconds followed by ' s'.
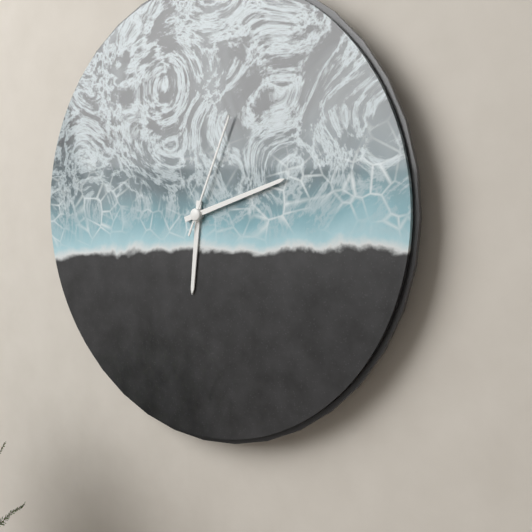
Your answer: 6 h 12 min 04 s
